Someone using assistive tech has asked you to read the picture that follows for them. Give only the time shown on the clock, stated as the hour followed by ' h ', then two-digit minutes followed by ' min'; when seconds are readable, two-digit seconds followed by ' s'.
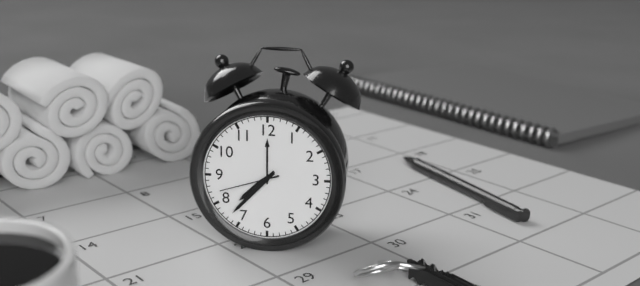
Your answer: 7 h 37 min 42 s
